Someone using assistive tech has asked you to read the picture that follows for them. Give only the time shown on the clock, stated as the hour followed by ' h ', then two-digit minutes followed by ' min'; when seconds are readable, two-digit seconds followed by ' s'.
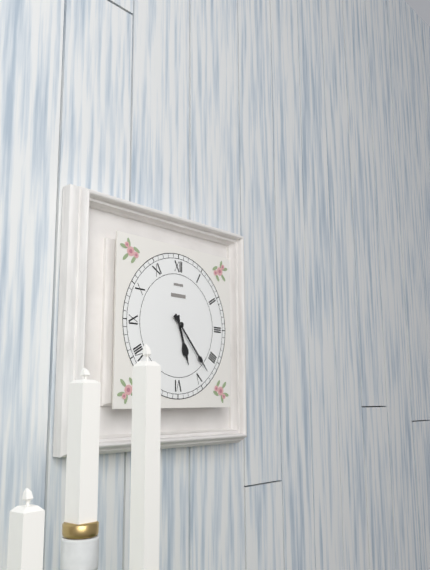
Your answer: 5 h 23 min
